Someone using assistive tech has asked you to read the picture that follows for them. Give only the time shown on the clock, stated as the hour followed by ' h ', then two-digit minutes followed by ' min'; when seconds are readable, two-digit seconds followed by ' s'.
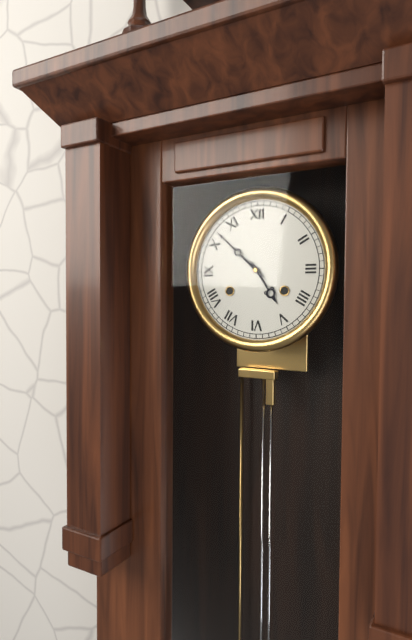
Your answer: 4 h 52 min
